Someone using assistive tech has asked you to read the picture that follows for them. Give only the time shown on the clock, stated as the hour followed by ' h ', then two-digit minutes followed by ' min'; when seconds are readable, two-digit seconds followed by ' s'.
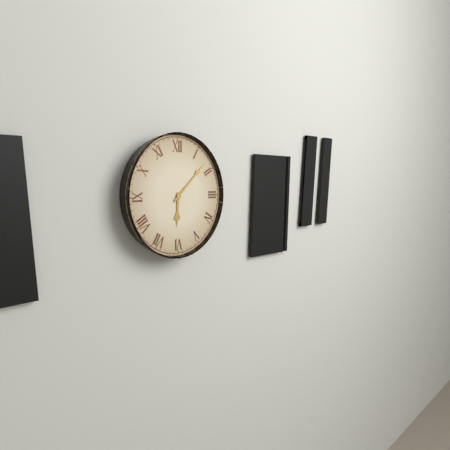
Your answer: 6 h 08 min
